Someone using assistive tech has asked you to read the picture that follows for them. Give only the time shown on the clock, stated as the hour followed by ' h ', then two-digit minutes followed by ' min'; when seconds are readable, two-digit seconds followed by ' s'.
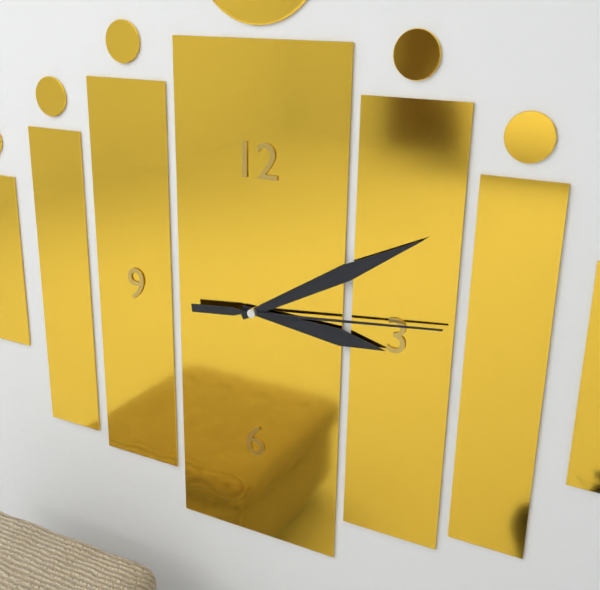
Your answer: 3 h 10 min 14 s
